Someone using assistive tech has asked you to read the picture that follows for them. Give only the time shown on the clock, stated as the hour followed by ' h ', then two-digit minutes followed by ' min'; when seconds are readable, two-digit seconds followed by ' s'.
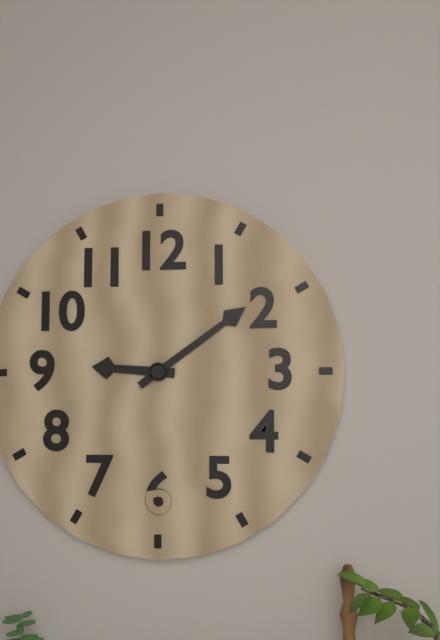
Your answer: 9 h 09 min
